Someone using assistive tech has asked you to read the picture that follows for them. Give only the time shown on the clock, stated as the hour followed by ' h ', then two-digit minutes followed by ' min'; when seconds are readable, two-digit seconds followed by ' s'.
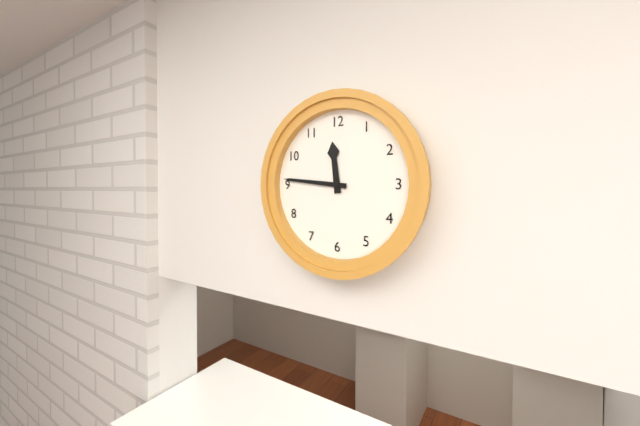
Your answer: 11 h 46 min
